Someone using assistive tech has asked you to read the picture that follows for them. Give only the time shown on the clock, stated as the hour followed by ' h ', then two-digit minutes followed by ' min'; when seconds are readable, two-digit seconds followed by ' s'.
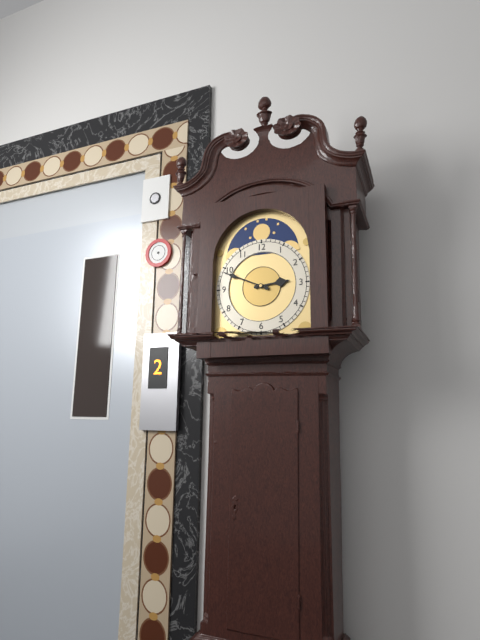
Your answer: 2 h 49 min
